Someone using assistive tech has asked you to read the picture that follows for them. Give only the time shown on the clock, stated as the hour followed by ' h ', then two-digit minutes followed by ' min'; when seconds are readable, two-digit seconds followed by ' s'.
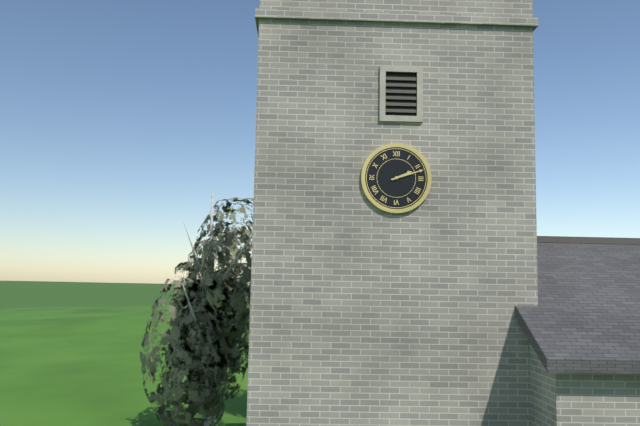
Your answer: 2 h 12 min
